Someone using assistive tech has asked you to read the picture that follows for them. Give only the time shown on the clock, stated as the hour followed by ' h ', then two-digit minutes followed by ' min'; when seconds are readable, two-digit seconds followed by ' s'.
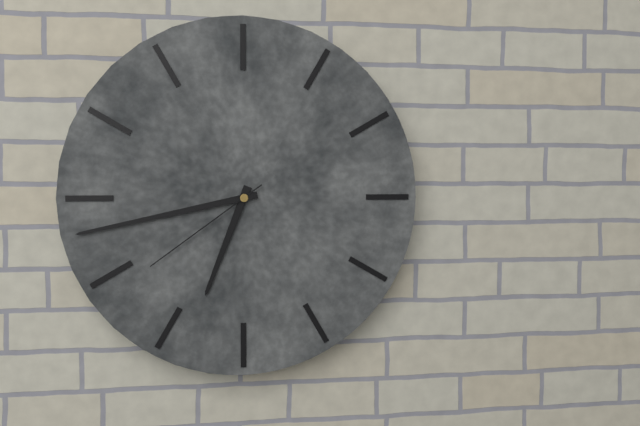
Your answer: 6 h 43 min 39 s
